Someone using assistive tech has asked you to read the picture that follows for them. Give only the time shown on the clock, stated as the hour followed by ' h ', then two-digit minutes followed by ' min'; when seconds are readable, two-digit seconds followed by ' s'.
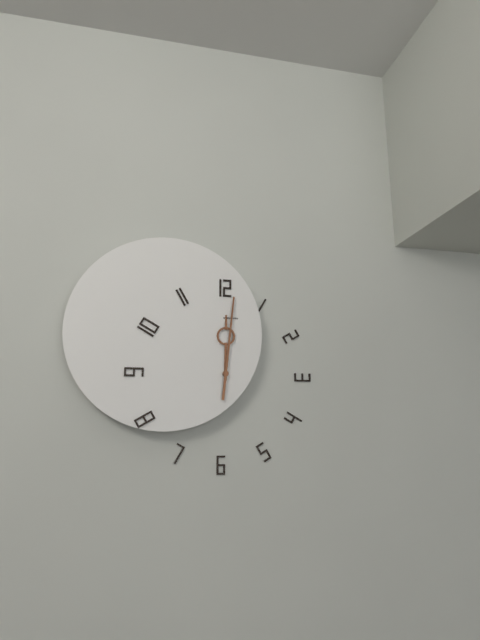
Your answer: 12 h 01 min
